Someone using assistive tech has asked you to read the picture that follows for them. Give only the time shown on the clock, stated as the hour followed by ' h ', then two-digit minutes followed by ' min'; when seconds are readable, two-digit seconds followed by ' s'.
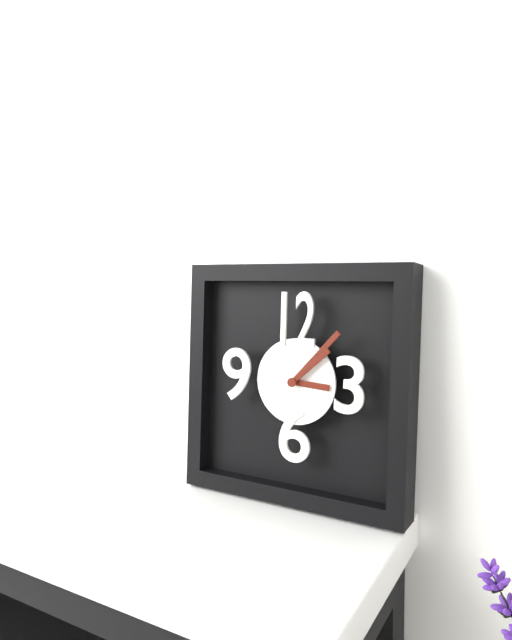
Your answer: 3 h 07 min 08 s
